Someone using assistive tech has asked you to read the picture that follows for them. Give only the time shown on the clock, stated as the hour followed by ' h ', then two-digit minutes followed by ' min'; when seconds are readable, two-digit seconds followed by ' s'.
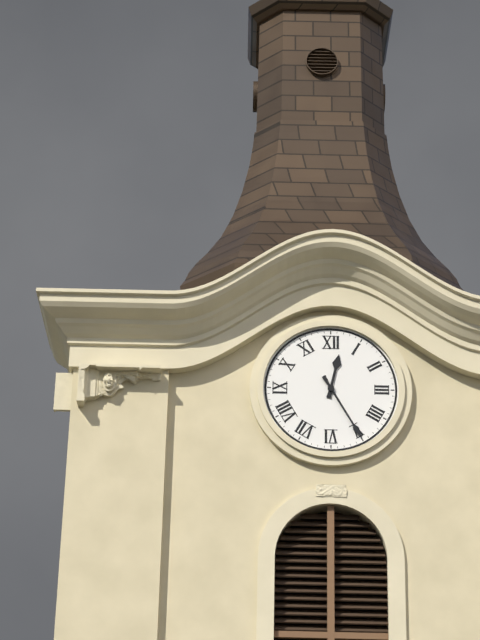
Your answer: 12 h 25 min
